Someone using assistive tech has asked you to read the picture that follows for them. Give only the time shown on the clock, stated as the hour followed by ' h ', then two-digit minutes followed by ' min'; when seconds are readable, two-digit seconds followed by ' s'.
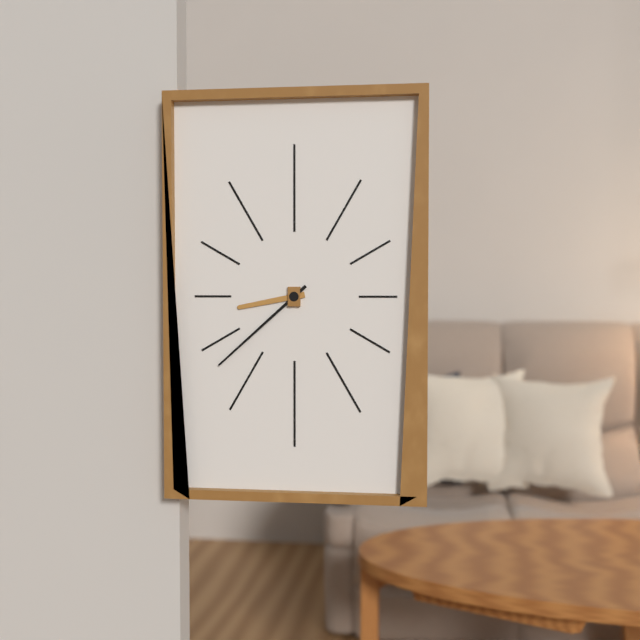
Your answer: 8 h 38 min
